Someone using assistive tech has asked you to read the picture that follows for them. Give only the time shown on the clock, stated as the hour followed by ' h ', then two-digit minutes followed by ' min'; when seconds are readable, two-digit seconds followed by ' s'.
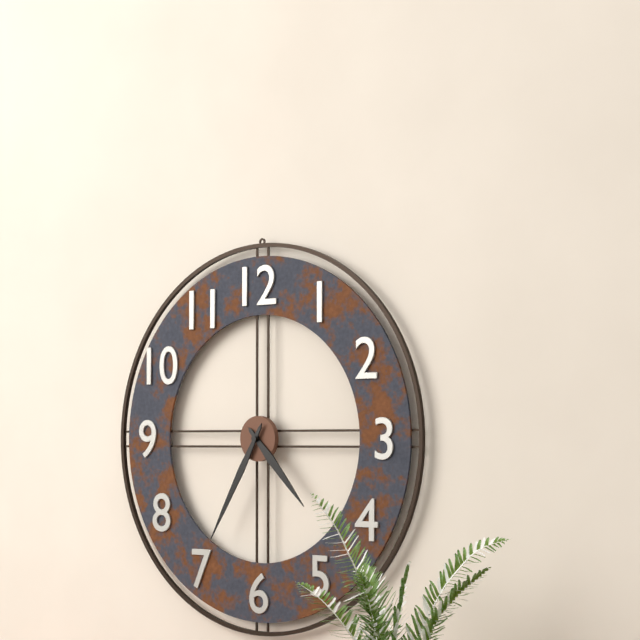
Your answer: 4 h 35 min
